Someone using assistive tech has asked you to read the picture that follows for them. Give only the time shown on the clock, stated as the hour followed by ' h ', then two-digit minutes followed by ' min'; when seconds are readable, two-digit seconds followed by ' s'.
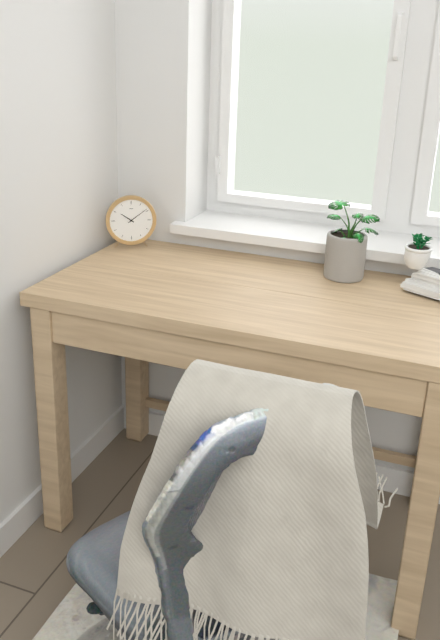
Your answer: 10 h 09 min
